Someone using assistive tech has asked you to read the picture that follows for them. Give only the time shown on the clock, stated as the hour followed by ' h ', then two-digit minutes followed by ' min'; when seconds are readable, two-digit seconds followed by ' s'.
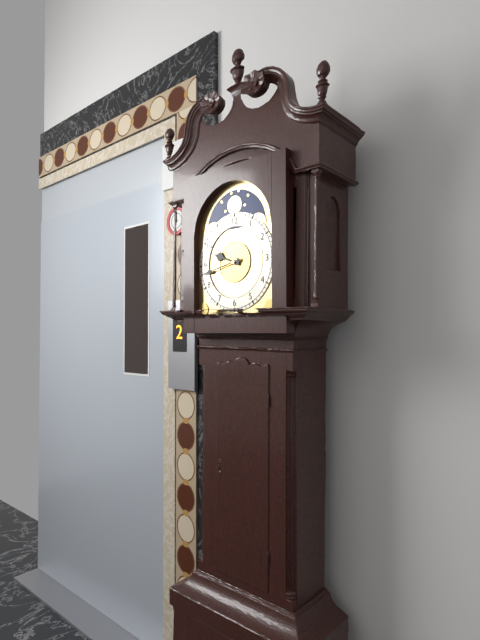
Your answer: 9 h 43 min
